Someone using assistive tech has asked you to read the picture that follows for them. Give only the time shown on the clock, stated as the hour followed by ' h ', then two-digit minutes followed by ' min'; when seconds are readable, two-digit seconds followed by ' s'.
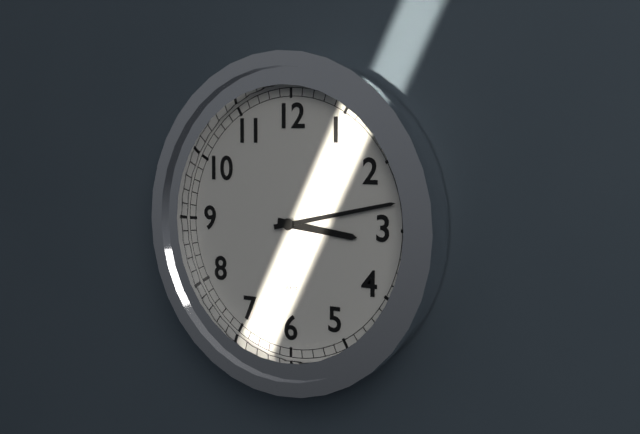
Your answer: 3 h 13 min
